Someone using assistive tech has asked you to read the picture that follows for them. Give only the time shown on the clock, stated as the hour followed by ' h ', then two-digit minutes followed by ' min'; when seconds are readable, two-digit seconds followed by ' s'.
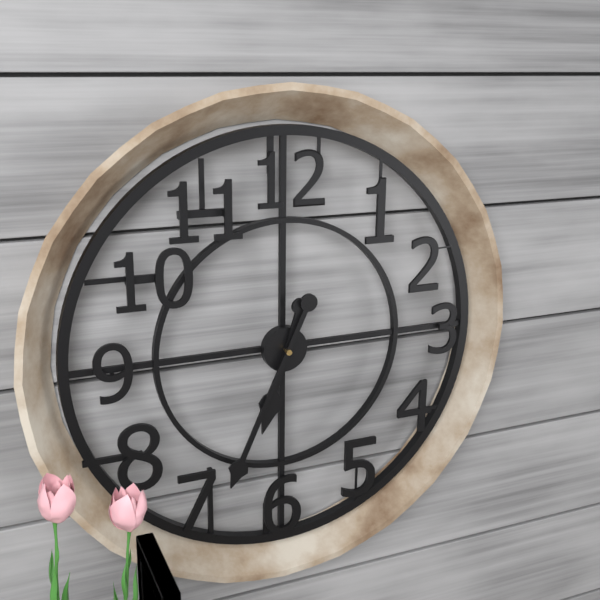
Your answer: 6 h 34 min
